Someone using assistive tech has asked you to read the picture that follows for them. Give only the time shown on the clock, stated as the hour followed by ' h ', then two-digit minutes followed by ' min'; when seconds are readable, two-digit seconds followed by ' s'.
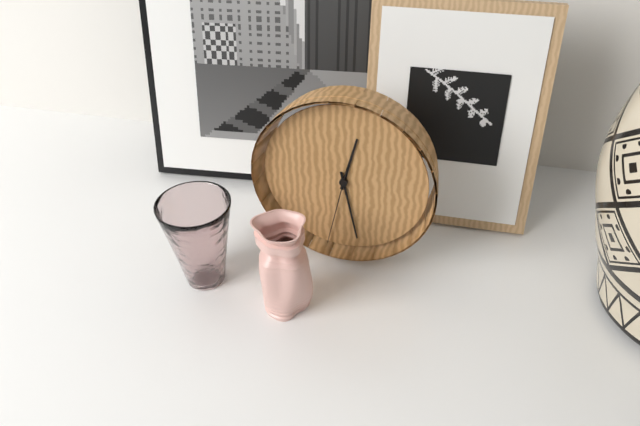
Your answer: 12 h 28 min 32 s
